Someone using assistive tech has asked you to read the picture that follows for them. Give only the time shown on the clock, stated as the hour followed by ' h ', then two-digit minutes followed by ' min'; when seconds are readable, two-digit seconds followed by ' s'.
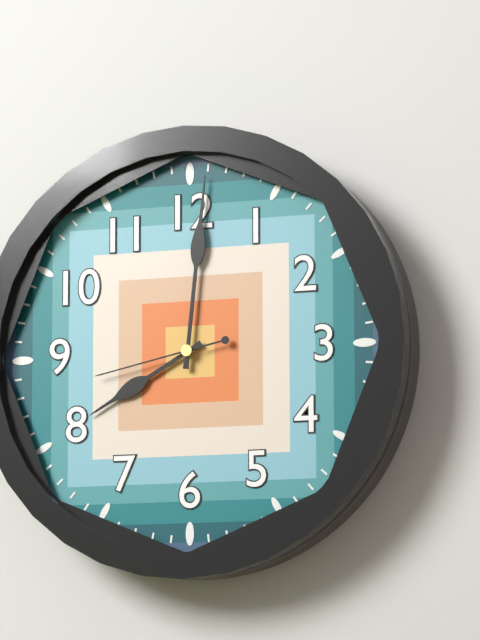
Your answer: 8 h 01 min 43 s
